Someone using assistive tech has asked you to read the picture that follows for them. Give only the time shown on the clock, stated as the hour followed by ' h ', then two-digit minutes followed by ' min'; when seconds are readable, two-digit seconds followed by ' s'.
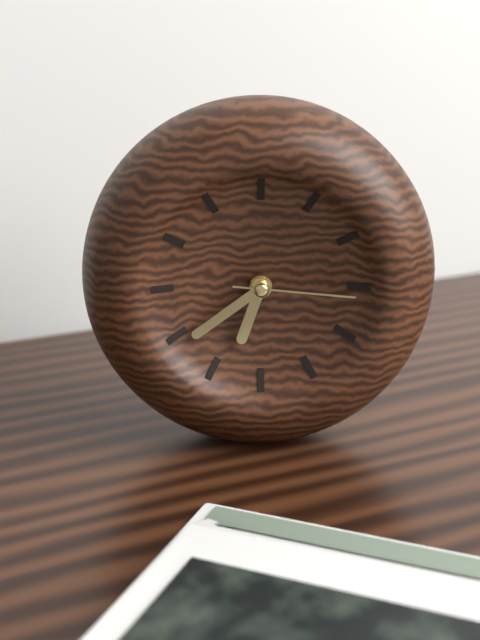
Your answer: 6 h 39 min 16 s
